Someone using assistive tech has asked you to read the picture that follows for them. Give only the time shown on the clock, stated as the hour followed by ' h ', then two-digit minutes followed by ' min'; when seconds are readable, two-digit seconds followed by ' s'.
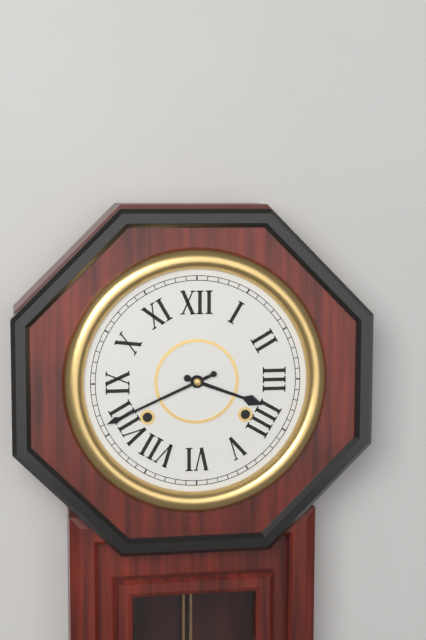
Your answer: 3 h 41 min
